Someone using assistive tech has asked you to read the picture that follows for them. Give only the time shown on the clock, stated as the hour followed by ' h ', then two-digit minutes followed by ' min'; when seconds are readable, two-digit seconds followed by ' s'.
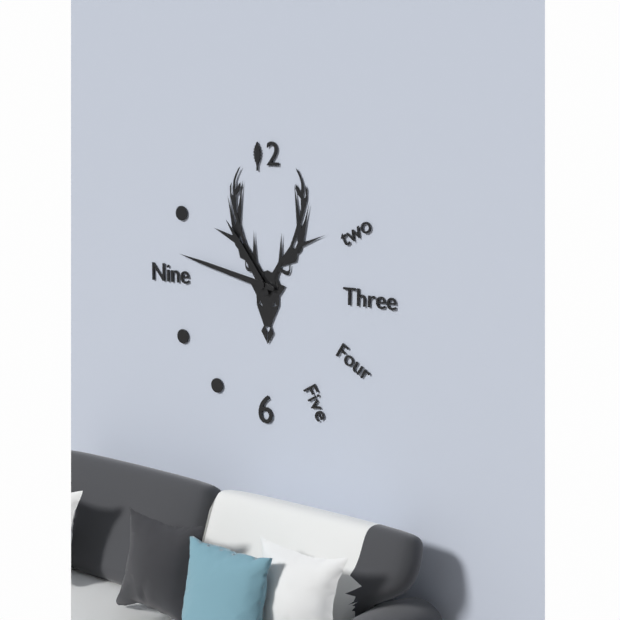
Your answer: 10 h 47 min
